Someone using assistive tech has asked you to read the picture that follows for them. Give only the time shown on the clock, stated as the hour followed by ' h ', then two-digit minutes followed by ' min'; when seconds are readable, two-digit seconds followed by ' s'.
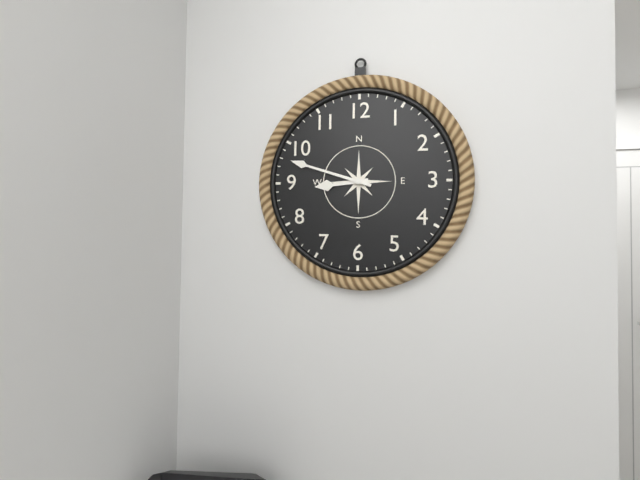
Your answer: 8 h 48 min
